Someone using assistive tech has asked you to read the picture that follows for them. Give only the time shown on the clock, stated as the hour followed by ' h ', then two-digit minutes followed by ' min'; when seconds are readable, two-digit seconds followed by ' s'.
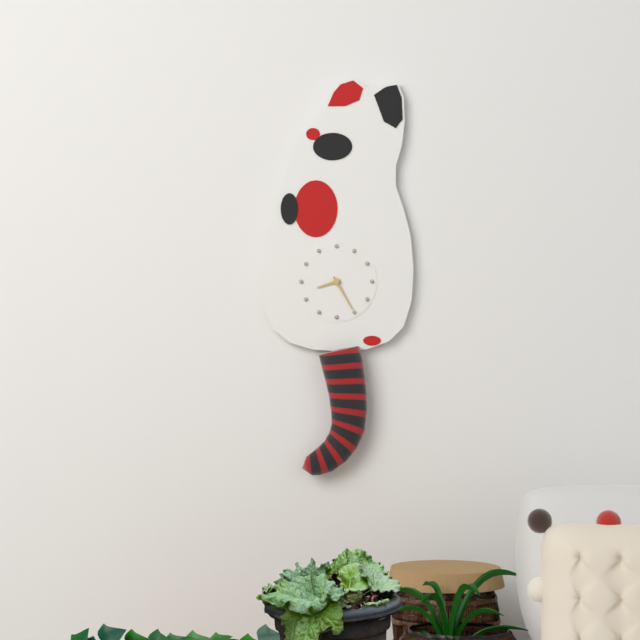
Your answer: 8 h 25 min
